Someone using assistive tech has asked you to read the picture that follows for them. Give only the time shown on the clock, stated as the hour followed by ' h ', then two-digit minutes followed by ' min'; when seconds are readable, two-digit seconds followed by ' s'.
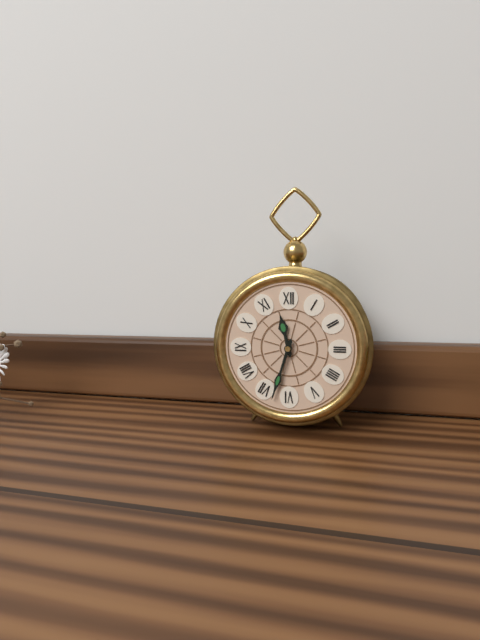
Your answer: 11 h 33 min
